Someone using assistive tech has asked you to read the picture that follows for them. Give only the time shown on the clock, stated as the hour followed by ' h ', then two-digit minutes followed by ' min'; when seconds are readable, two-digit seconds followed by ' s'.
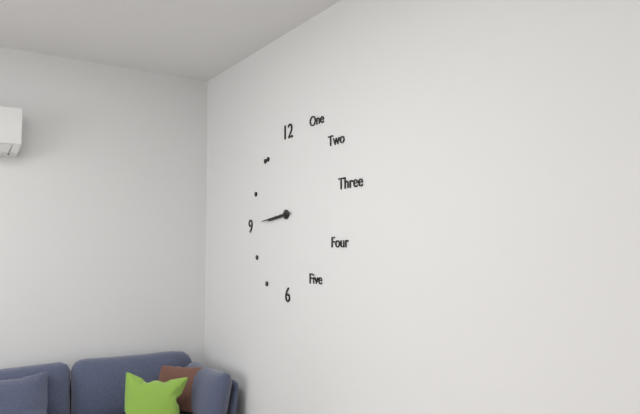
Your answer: 8 h 44 min
